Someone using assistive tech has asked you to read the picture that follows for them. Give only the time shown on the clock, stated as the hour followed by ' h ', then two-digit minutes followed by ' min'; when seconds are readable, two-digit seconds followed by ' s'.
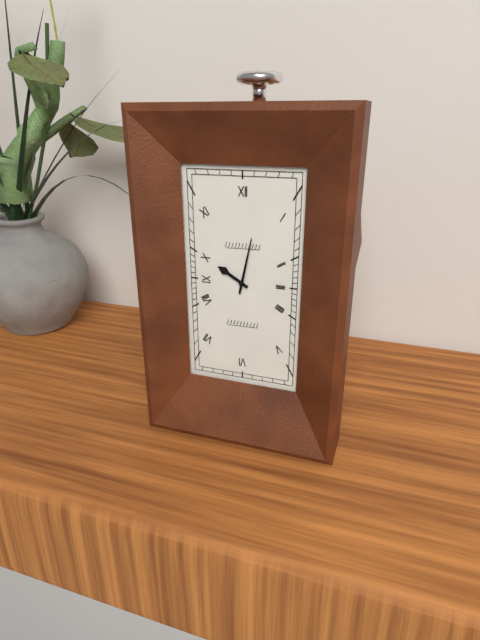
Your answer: 10 h 02 min
